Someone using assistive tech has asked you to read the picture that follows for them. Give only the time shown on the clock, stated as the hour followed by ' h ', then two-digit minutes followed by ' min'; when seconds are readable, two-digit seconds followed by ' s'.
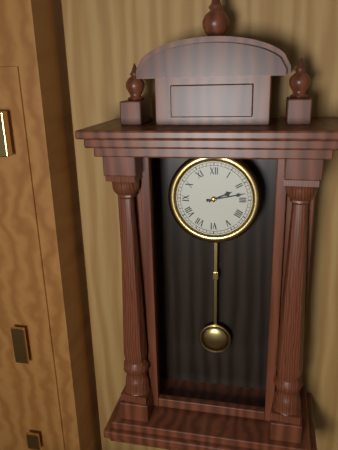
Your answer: 2 h 13 min
